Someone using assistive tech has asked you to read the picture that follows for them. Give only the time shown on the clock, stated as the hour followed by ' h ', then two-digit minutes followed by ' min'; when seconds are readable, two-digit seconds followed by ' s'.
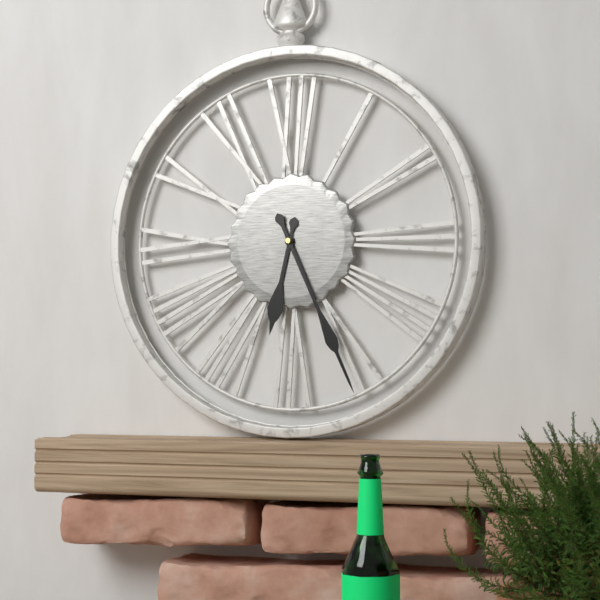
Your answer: 6 h 26 min
